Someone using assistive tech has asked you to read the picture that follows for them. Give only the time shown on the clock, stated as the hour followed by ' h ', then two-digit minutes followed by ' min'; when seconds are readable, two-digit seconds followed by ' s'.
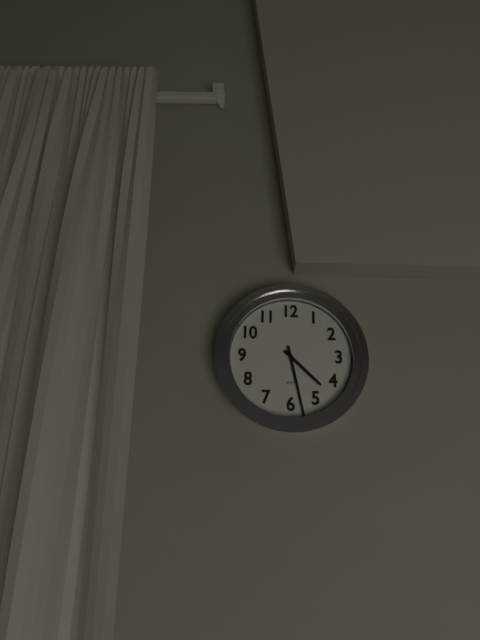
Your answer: 4 h 28 min
